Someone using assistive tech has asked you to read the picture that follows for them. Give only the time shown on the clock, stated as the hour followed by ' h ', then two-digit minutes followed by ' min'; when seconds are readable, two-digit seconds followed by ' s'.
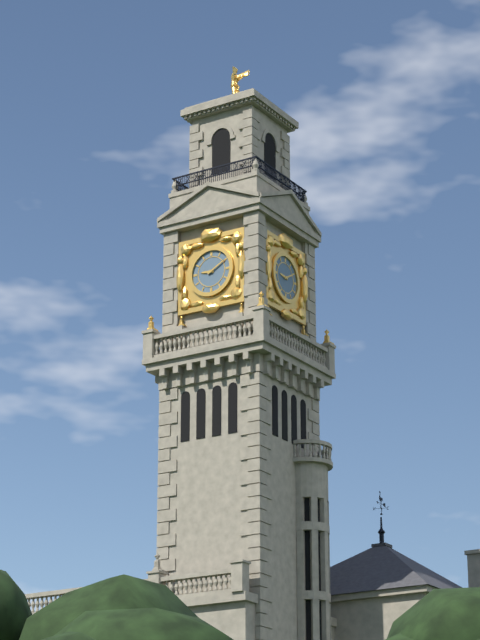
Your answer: 9 h 10 min
